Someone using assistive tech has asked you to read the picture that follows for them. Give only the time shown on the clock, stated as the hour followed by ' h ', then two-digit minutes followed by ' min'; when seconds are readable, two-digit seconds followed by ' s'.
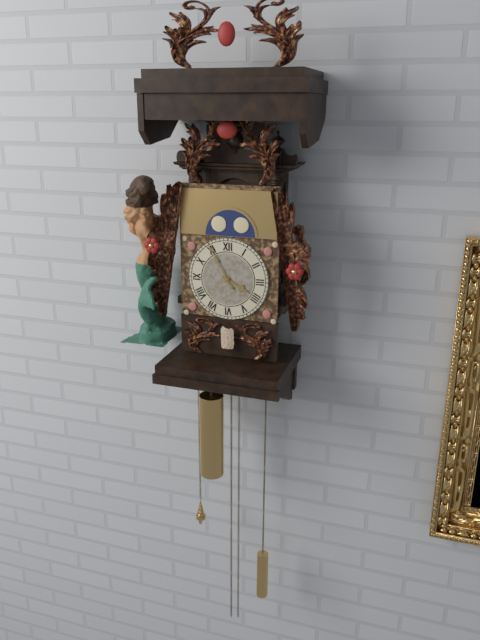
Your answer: 3 h 55 min
